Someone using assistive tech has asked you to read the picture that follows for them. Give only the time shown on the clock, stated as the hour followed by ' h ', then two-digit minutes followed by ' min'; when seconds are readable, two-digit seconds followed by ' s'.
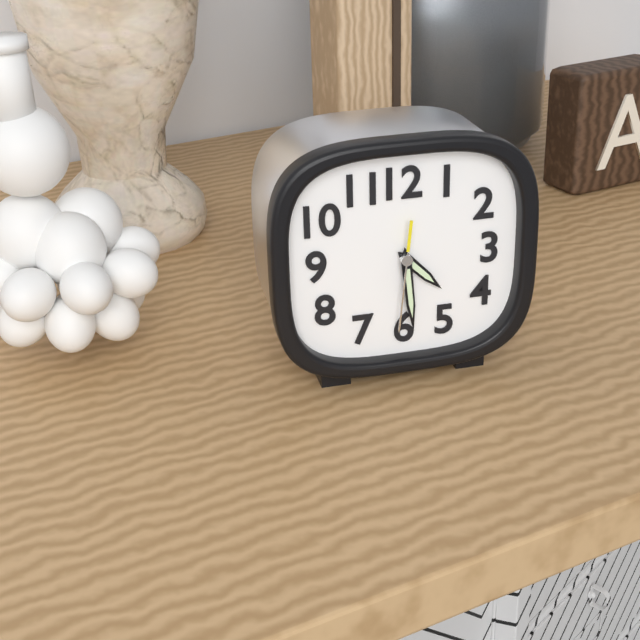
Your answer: 4 h 29 min 31 s
